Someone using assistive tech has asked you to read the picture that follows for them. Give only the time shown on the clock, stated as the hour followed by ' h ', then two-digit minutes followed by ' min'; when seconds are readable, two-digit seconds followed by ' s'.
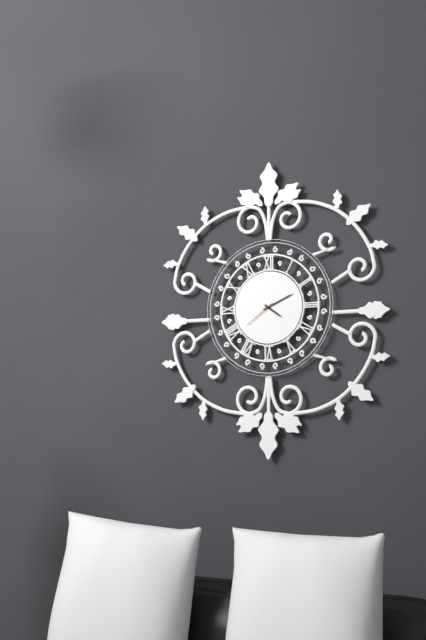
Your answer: 4 h 11 min
